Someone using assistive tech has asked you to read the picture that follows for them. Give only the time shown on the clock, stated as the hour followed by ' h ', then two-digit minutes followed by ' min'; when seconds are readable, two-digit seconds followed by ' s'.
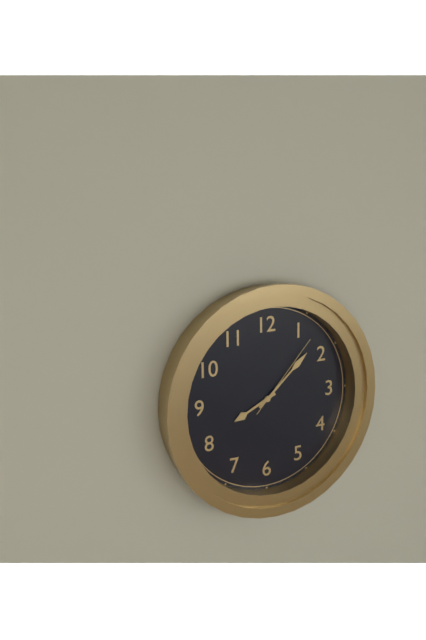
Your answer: 8 h 08 min 07 s
